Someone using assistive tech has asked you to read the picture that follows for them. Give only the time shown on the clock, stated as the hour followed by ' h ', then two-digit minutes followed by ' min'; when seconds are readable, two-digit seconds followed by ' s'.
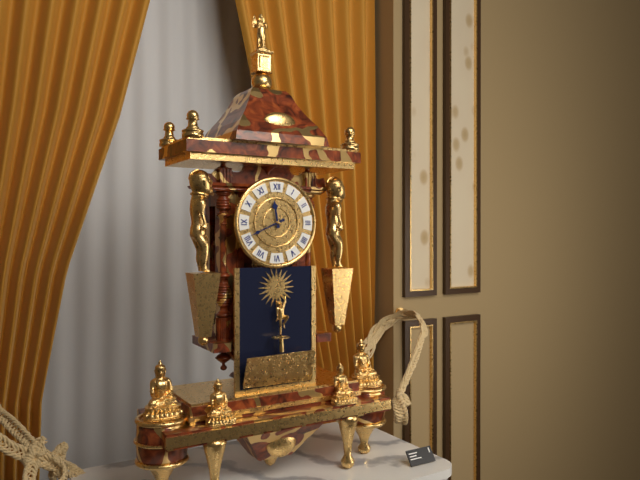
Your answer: 11 h 41 min
